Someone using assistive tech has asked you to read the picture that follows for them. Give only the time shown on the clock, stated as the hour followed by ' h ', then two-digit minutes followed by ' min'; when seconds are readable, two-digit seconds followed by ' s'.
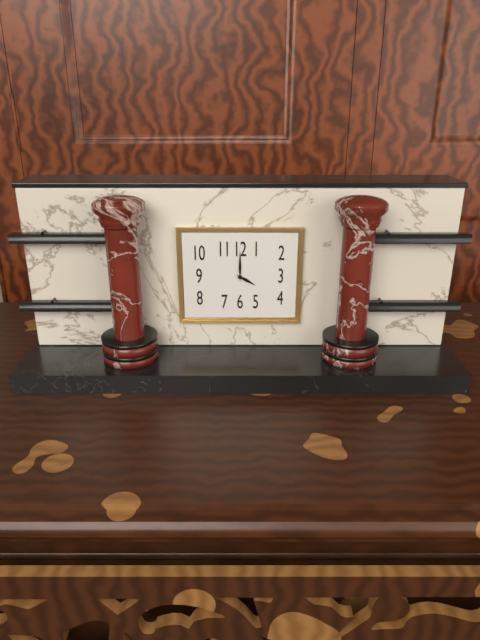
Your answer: 4 h 00 min
